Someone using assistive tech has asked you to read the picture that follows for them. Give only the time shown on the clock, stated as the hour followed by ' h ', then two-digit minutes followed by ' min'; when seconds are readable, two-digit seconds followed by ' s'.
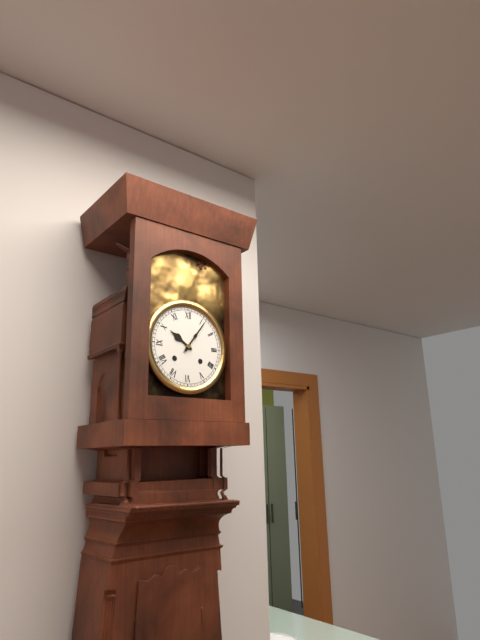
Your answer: 10 h 06 min
